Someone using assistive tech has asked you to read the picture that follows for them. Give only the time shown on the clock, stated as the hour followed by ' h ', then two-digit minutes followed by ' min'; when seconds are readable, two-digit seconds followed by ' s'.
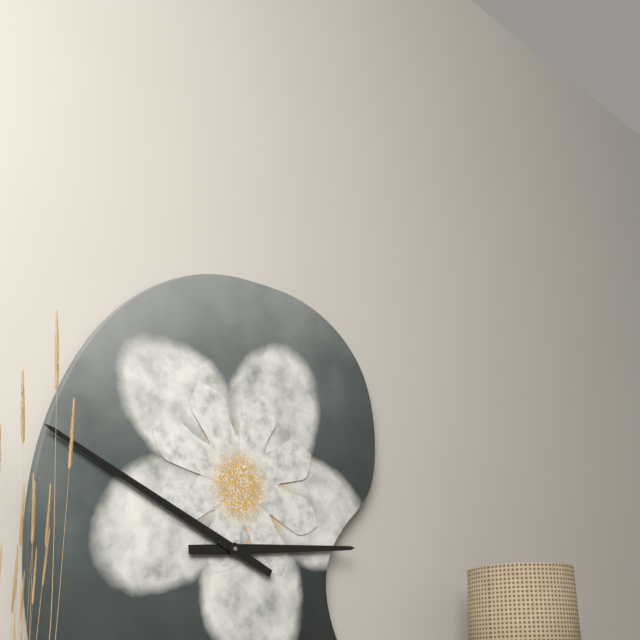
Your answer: 2 h 49 min
